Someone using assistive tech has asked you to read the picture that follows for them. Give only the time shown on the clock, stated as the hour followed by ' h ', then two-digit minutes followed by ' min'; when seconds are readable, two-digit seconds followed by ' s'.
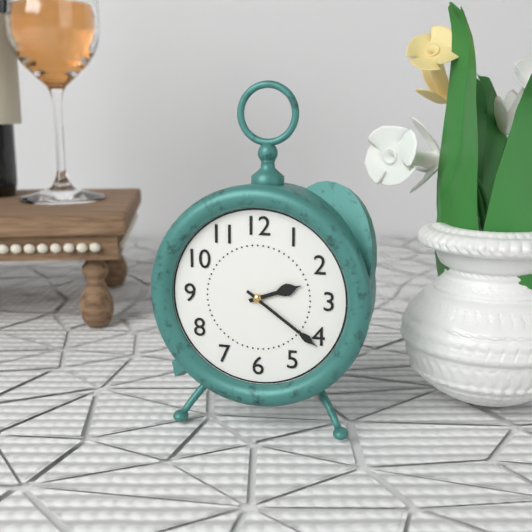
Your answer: 2 h 21 min
